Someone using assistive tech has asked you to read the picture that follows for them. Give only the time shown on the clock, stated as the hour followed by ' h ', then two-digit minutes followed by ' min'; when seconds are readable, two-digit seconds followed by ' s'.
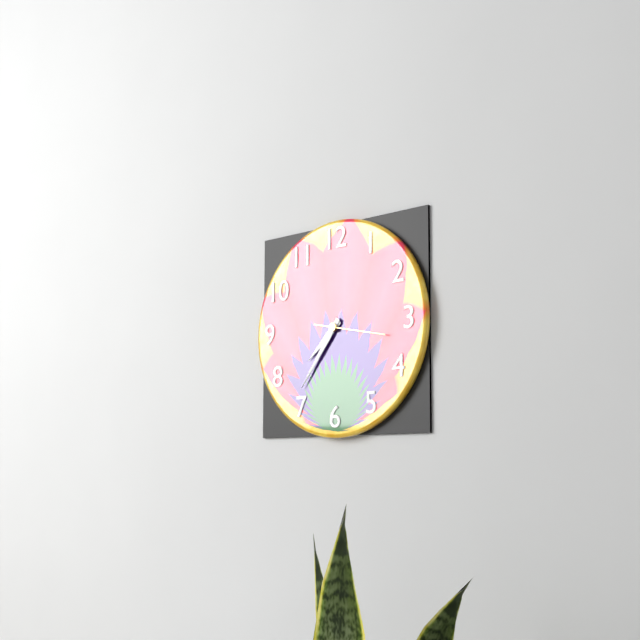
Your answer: 7 h 36 min 17 s
